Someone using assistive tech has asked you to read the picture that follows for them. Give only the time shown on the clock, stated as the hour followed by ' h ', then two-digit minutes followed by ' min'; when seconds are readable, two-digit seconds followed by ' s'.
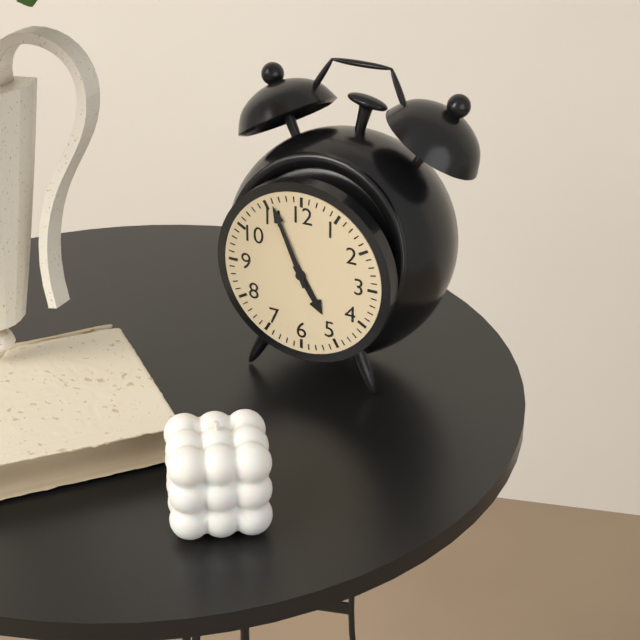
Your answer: 4 h 56 min
